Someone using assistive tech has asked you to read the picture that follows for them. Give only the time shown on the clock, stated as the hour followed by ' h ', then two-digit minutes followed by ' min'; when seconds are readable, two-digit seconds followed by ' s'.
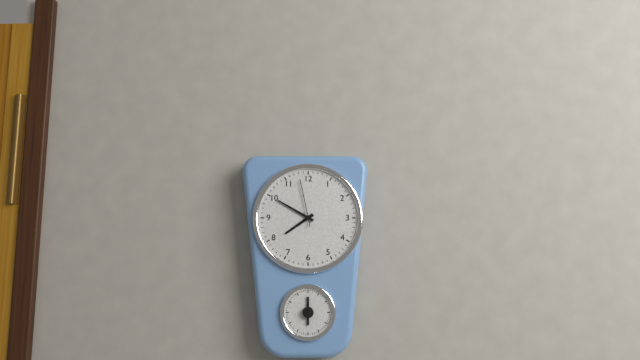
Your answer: 7 h 50 min
